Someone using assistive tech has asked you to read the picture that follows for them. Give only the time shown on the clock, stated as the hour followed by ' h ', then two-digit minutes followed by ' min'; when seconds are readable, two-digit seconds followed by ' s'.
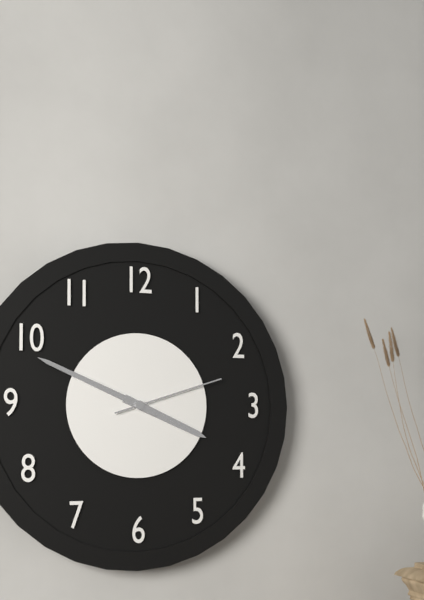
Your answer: 3 h 49 min 12 s
